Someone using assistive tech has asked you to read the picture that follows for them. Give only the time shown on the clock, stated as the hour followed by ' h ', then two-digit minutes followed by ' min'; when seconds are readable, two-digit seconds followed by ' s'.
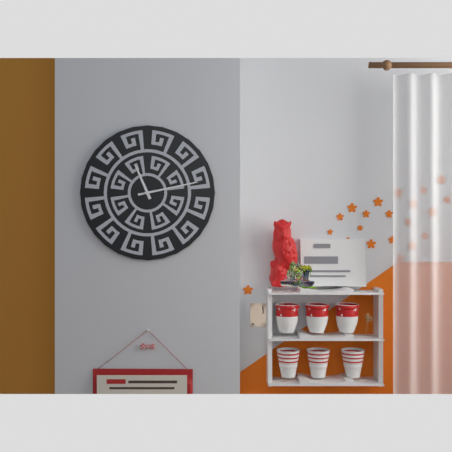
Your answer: 11 h 13 min
